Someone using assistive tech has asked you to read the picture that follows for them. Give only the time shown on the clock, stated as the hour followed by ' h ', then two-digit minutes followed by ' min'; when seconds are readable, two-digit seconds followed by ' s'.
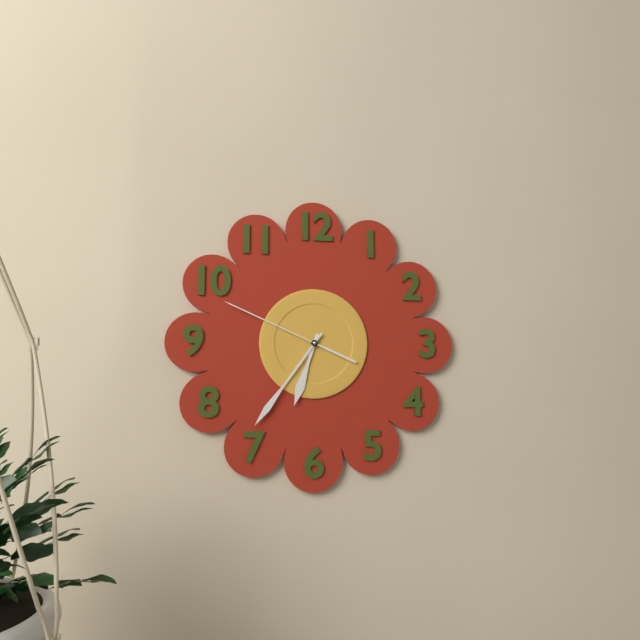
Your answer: 6 h 36 min 49 s
